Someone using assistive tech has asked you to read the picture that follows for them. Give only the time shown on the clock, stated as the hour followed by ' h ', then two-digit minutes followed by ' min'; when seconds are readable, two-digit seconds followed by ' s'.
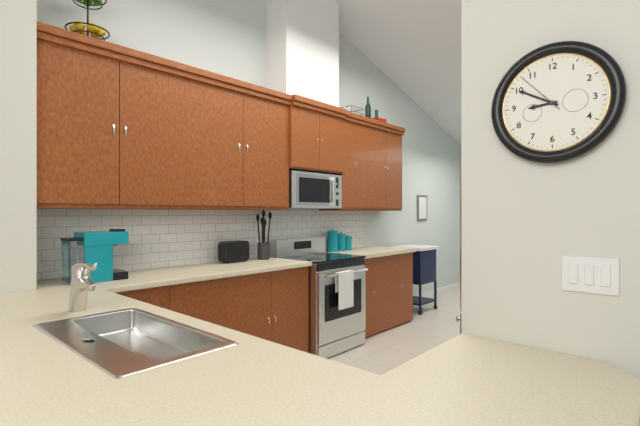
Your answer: 8 h 50 min 53 s
